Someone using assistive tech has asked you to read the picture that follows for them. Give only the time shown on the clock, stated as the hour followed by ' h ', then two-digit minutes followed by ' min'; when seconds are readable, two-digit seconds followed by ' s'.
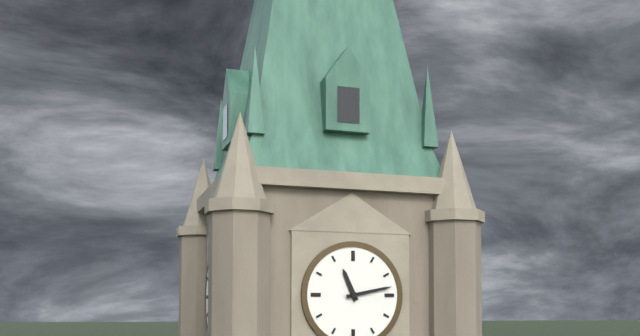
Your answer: 11 h 13 min
